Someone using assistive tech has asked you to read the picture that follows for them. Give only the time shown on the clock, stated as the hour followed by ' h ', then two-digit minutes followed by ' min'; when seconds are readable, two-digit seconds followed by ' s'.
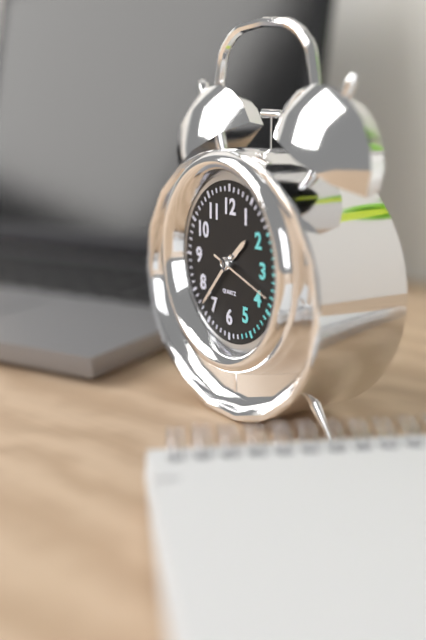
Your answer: 1 h 37 min 18 s
